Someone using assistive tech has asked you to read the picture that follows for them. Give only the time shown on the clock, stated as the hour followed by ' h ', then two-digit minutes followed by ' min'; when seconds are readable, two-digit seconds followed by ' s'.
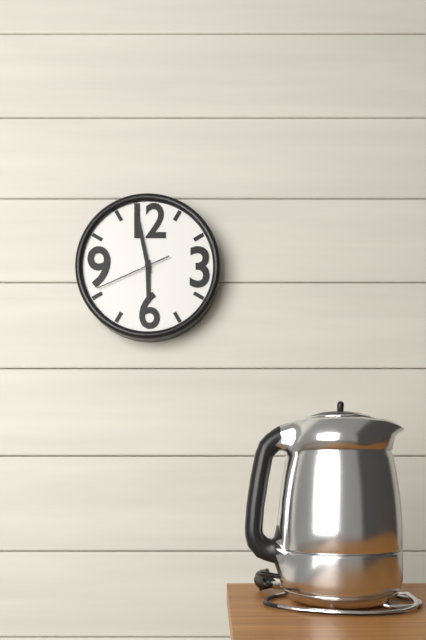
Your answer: 5 h 58 min 41 s
